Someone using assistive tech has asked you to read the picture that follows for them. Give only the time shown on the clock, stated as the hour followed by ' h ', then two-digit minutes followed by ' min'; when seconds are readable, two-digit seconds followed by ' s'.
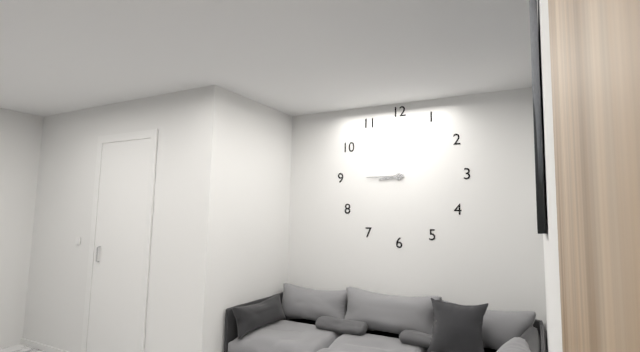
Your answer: 8 h 45 min
